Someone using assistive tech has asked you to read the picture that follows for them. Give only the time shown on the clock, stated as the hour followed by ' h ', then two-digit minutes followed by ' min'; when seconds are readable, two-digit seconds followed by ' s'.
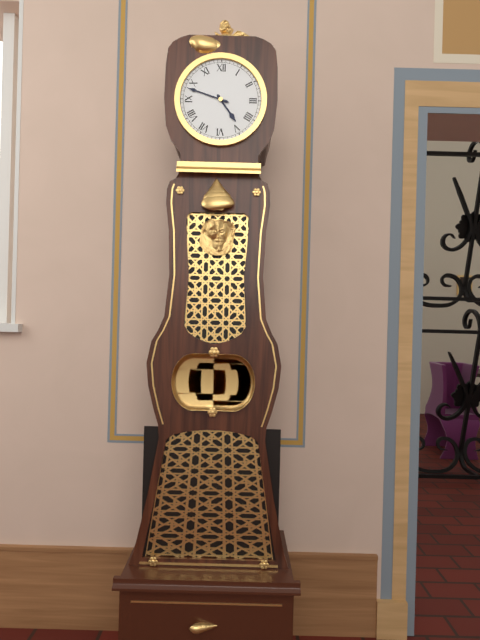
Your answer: 4 h 48 min
